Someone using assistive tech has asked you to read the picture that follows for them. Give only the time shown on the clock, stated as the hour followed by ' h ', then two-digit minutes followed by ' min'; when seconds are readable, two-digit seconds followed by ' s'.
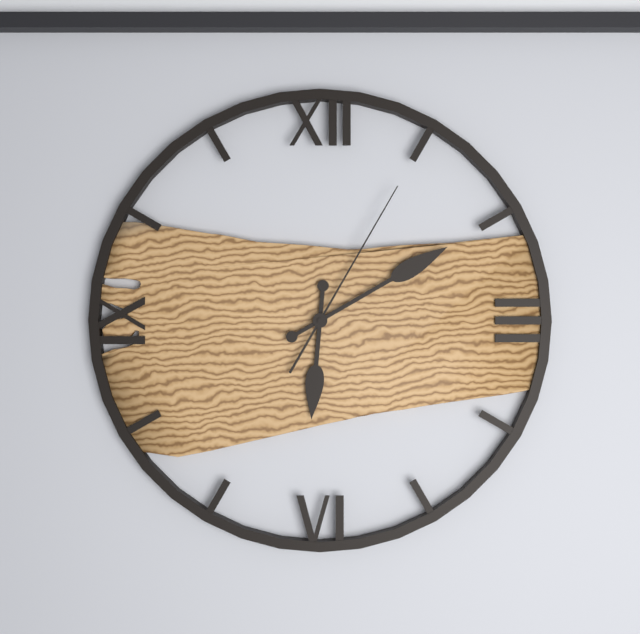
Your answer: 6 h 10 min 05 s
